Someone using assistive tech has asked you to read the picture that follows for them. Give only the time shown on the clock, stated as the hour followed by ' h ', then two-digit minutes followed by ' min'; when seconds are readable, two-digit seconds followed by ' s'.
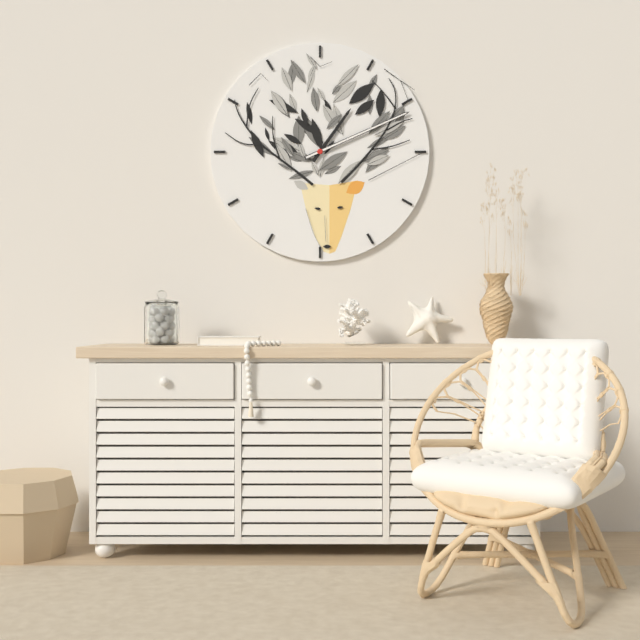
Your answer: 1 h 11 min
